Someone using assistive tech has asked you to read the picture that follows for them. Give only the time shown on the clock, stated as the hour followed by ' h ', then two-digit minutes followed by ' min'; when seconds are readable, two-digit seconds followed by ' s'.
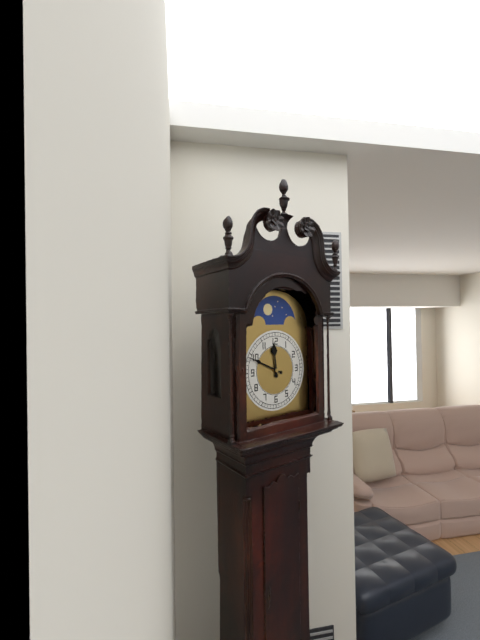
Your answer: 11 h 49 min
